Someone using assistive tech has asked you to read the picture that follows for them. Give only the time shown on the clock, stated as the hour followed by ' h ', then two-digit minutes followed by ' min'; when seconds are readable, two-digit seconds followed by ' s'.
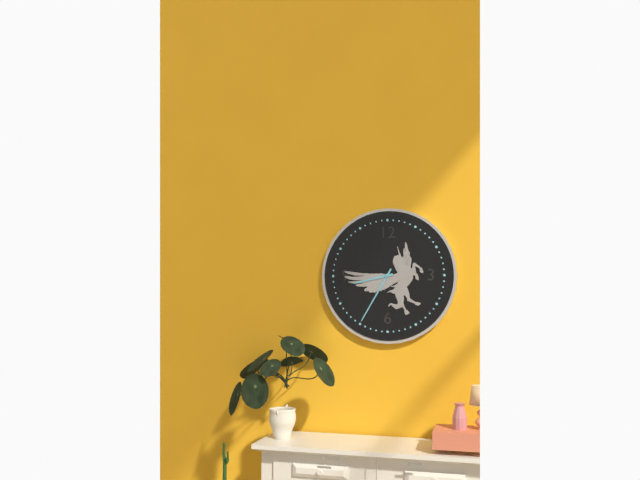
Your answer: 8 h 35 min
